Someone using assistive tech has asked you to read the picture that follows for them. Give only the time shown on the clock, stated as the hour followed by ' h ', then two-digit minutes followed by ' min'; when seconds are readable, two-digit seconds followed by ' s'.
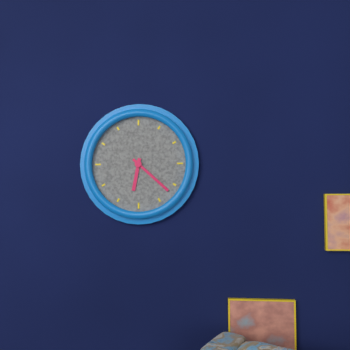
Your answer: 6 h 22 min
